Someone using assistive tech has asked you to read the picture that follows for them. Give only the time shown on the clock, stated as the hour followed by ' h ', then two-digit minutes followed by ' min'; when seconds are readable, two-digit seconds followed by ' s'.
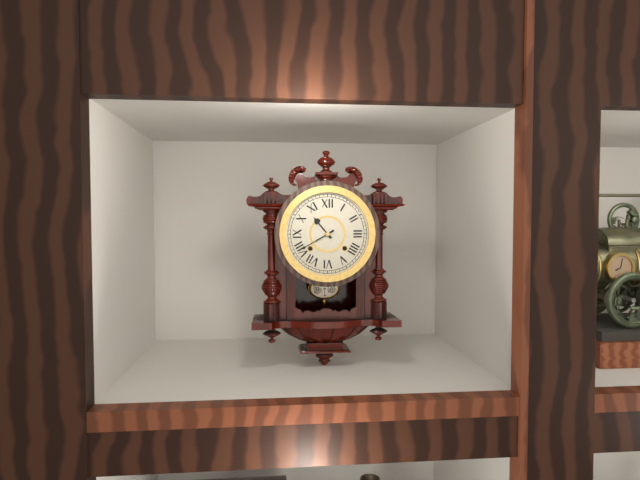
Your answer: 10 h 40 min
